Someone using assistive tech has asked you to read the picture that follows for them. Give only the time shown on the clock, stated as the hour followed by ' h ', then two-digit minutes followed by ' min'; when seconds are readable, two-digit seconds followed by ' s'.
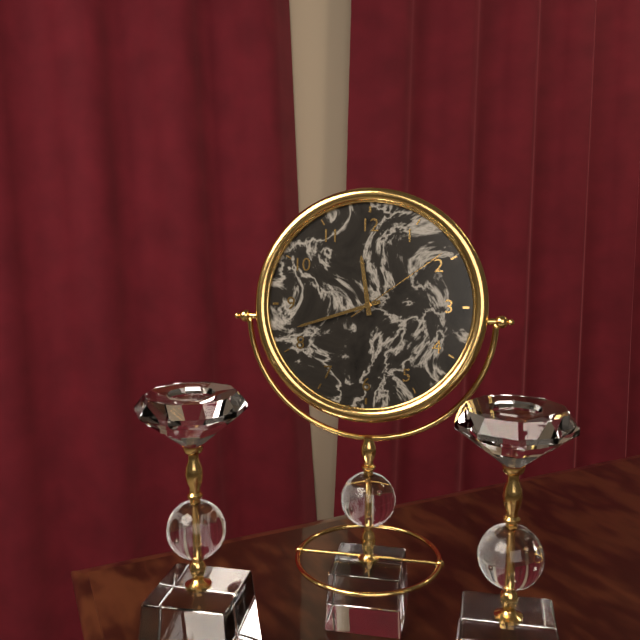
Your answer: 11 h 42 min 09 s
